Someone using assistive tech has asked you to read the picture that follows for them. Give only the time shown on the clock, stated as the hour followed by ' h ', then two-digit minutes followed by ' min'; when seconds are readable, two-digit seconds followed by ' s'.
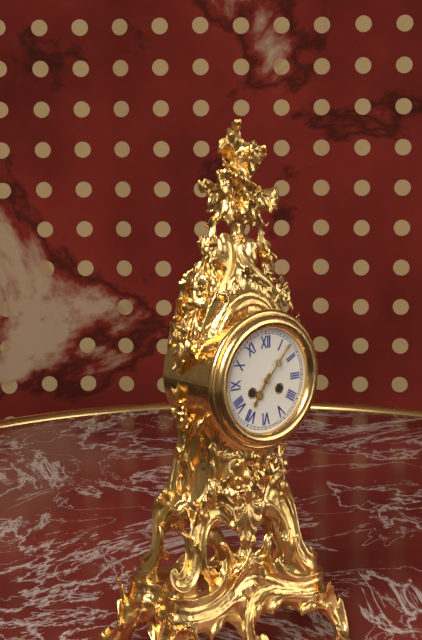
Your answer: 7 h 07 min
